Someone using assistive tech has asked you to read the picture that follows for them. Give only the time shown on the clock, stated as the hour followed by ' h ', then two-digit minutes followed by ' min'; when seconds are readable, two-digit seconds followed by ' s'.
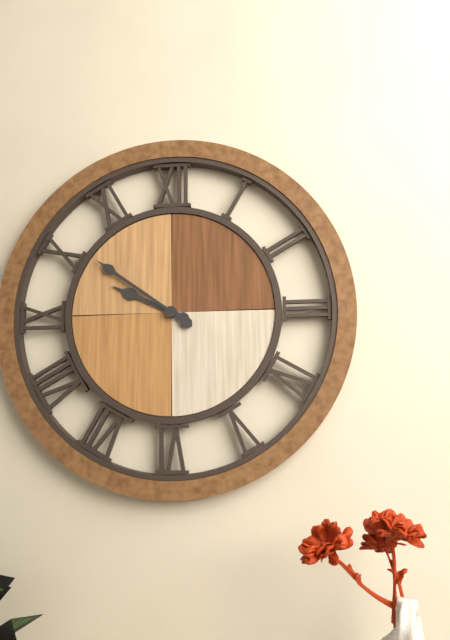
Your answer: 9 h 51 min
